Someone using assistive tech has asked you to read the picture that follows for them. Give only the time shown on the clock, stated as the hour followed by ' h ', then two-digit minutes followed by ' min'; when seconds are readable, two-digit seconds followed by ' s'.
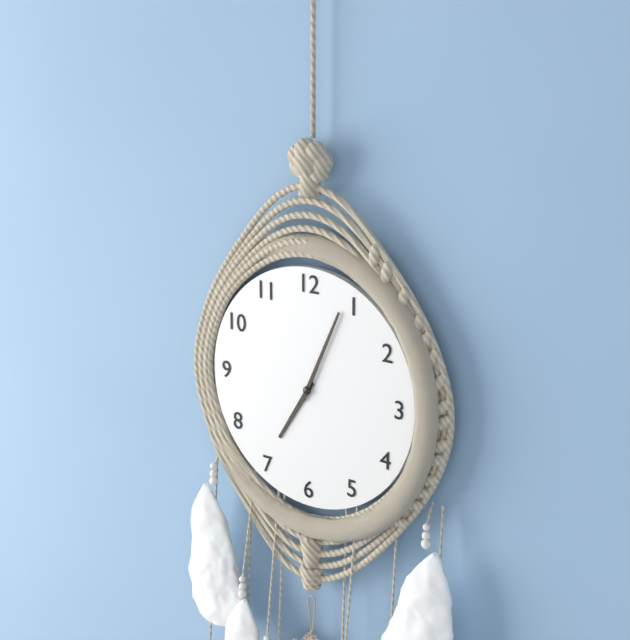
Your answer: 7 h 04 min
